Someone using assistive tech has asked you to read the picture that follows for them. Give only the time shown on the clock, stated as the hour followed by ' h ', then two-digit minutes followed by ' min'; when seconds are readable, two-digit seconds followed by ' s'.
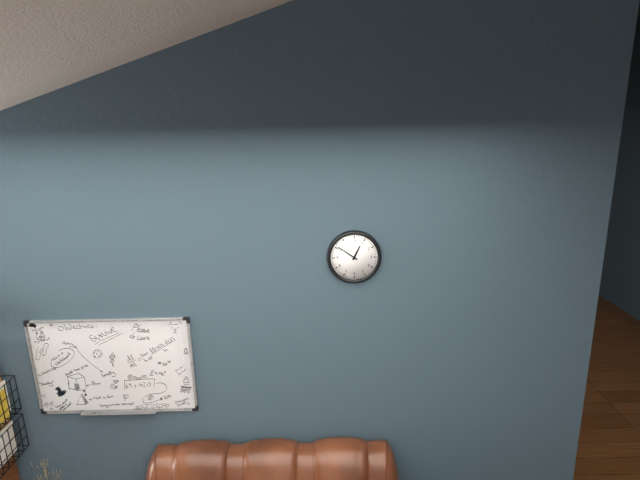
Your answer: 12 h 51 min
